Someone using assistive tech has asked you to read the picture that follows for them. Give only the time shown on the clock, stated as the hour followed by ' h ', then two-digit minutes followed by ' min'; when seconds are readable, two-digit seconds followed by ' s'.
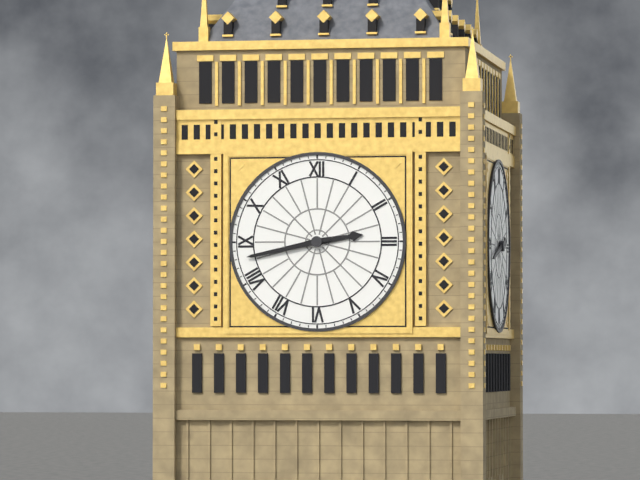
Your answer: 2 h 43 min
